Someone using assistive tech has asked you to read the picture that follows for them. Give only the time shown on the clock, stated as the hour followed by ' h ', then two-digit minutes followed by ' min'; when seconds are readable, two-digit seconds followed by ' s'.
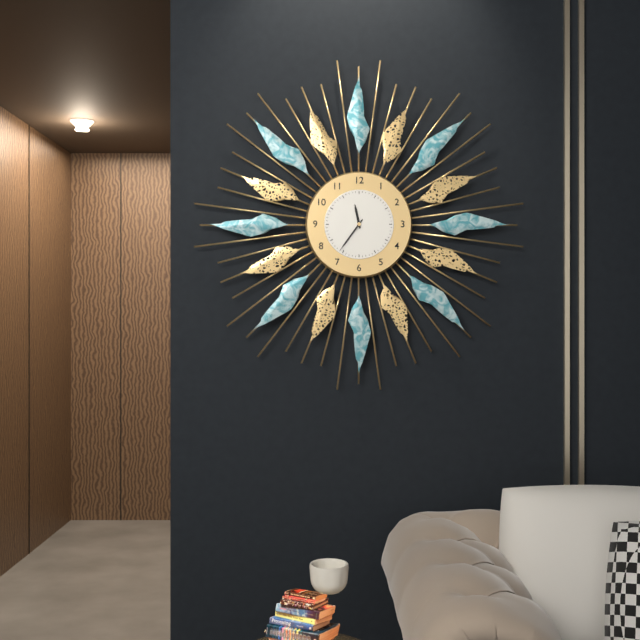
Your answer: 11 h 36 min
